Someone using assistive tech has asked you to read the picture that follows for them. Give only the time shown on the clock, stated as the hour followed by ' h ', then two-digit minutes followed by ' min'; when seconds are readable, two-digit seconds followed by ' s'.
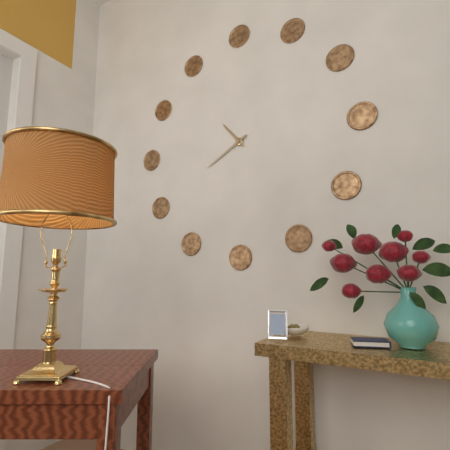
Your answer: 10 h 40 min
